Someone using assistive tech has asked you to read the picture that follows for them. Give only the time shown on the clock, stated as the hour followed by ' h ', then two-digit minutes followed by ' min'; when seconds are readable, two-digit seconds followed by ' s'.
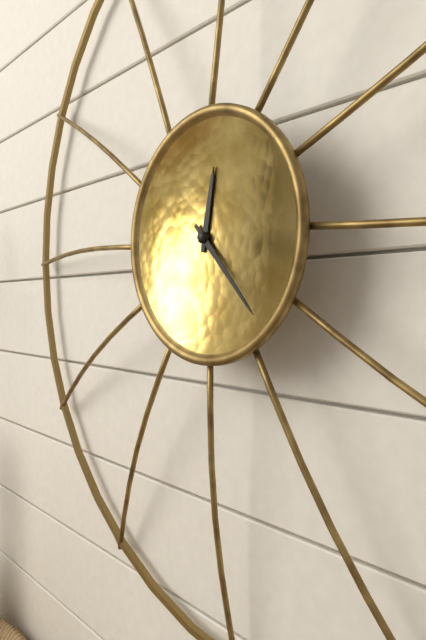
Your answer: 12 h 23 min
